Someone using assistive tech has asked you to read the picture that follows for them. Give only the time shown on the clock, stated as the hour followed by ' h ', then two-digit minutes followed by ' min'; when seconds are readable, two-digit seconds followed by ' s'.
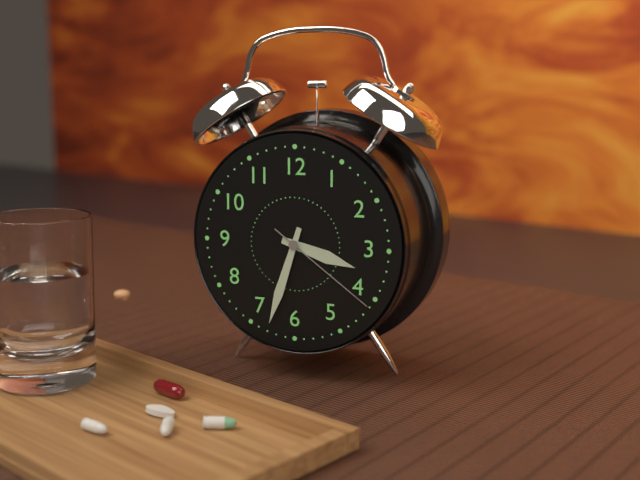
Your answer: 3 h 33 min 21 s
